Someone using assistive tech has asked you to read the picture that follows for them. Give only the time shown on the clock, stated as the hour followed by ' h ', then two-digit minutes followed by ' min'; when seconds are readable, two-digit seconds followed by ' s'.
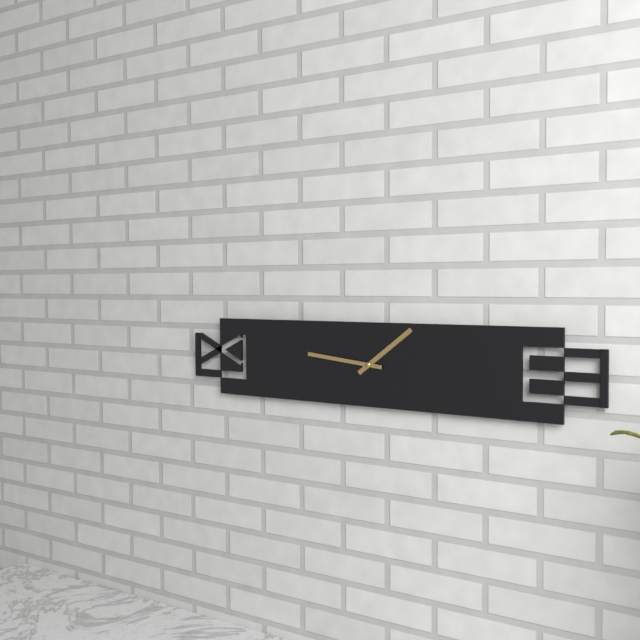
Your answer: 1 h 46 min
